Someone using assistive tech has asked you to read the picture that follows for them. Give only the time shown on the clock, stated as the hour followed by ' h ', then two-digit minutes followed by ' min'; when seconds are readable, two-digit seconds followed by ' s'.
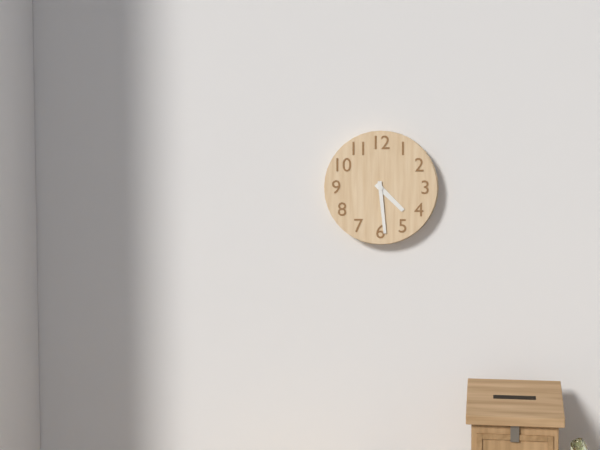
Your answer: 4 h 29 min
